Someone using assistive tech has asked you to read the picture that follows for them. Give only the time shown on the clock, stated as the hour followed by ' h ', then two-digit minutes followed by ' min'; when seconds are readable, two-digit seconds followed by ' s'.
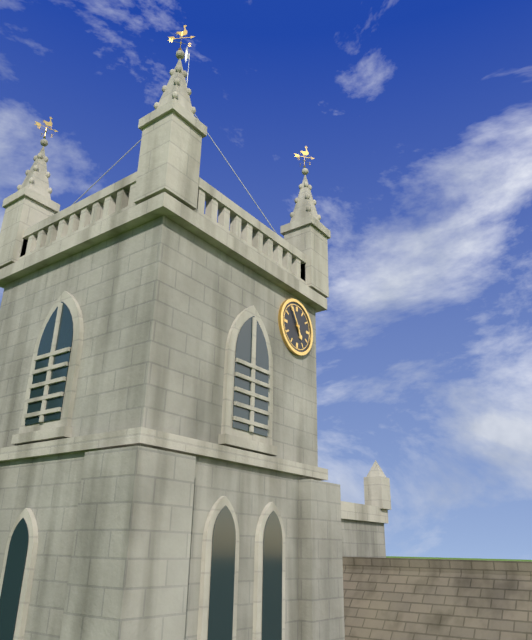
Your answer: 4 h 55 min
